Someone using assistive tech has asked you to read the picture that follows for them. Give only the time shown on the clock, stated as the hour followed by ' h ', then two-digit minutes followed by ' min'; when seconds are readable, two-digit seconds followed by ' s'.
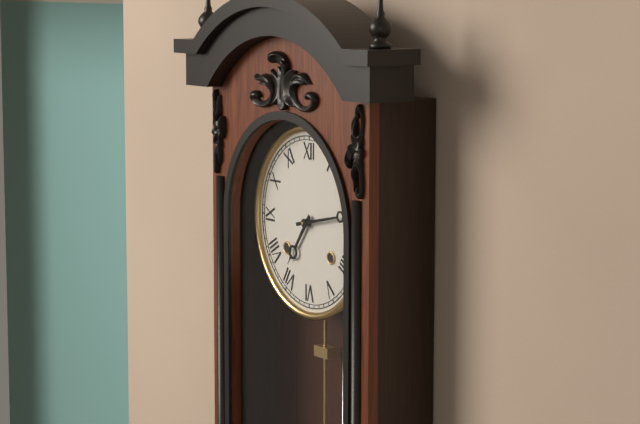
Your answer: 7 h 13 min
